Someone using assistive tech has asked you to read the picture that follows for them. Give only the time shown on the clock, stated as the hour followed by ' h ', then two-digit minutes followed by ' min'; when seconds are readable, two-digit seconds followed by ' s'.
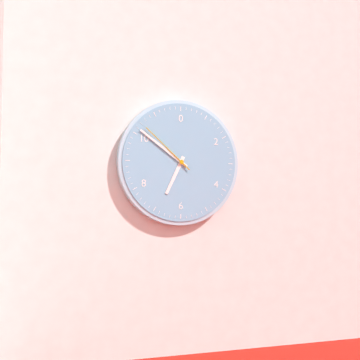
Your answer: 6 h 51 min 52 s
